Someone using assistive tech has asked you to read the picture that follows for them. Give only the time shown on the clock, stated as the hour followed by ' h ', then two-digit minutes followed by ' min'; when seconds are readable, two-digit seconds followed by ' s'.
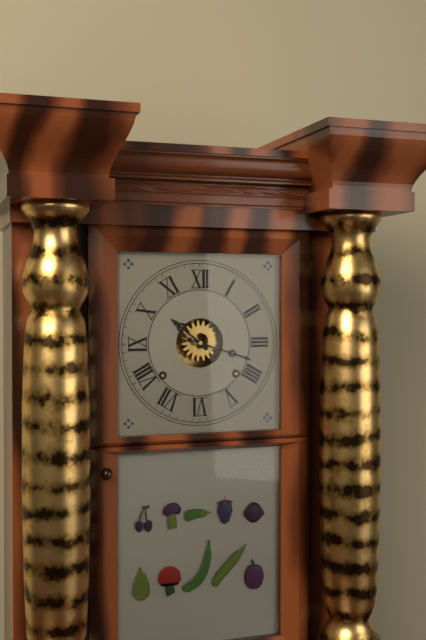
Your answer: 10 h 18 min
